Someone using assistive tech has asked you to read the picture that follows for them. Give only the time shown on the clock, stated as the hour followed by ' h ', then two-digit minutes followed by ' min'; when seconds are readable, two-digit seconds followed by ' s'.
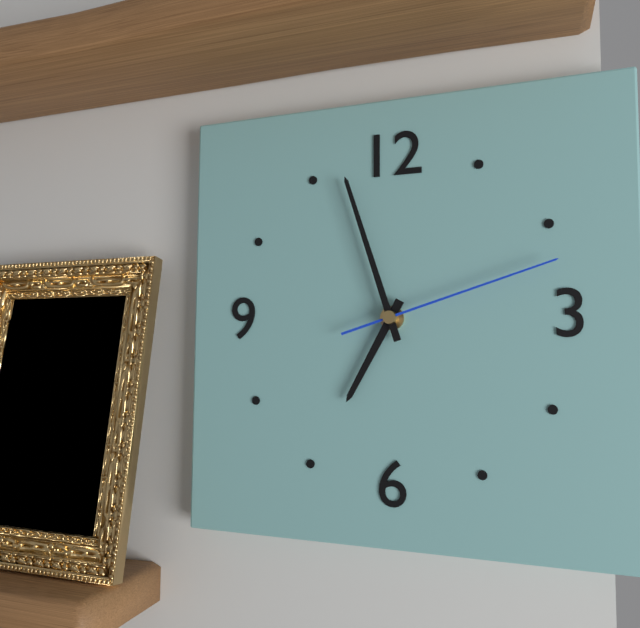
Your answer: 6 h 57 min 12 s
